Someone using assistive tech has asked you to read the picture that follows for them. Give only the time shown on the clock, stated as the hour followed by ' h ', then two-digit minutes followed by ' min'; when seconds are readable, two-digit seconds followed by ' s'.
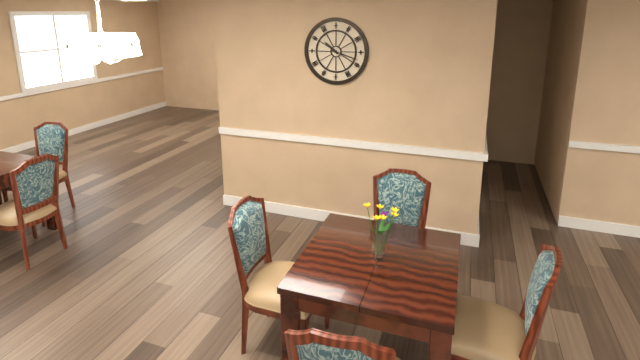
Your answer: 10 h 18 min
